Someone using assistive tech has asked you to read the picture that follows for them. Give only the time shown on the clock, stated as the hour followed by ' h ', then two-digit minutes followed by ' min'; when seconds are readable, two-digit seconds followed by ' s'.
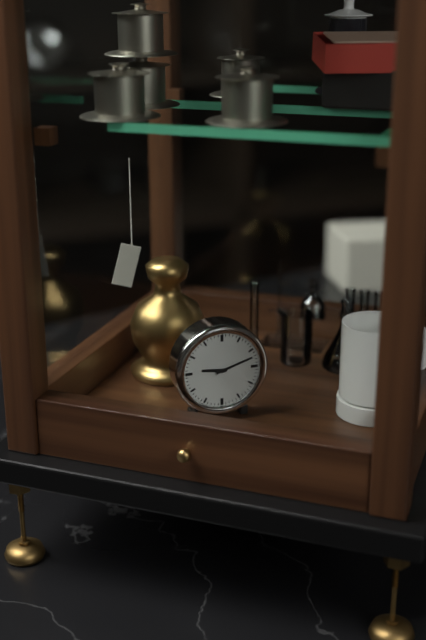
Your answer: 9 h 12 min
